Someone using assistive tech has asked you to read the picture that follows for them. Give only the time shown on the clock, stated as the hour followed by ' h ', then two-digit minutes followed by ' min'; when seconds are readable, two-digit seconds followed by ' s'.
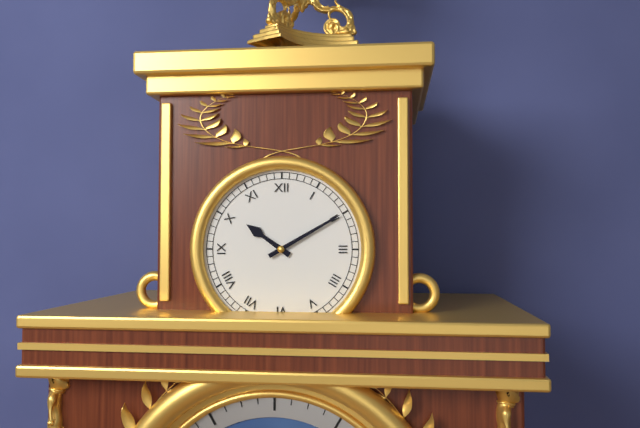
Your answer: 10 h 10 min
